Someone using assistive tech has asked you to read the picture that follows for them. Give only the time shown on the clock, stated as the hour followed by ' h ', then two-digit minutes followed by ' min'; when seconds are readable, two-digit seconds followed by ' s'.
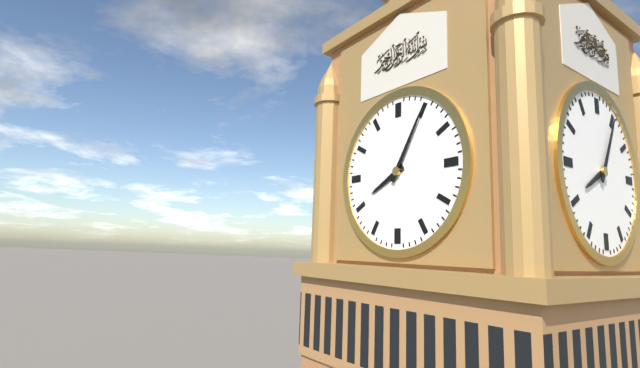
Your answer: 8 h 05 min
